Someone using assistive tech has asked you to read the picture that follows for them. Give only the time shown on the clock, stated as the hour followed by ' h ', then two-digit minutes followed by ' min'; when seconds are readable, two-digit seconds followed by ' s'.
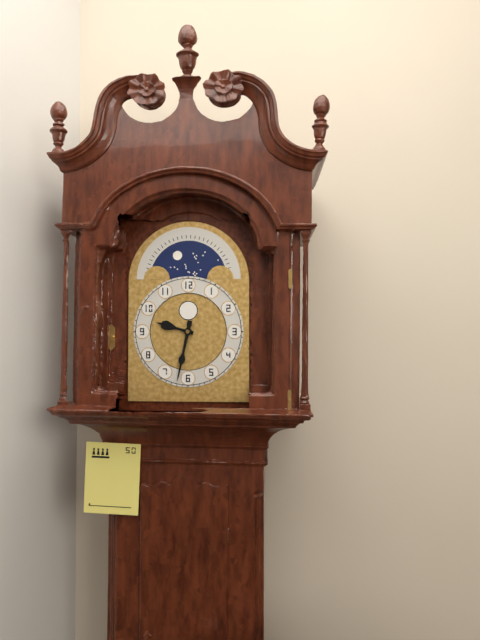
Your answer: 9 h 32 min
